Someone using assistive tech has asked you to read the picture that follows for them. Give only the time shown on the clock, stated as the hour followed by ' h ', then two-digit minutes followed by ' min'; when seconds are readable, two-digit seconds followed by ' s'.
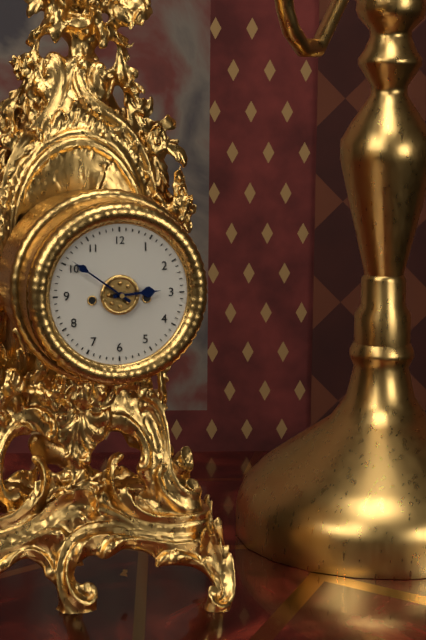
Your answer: 2 h 51 min
